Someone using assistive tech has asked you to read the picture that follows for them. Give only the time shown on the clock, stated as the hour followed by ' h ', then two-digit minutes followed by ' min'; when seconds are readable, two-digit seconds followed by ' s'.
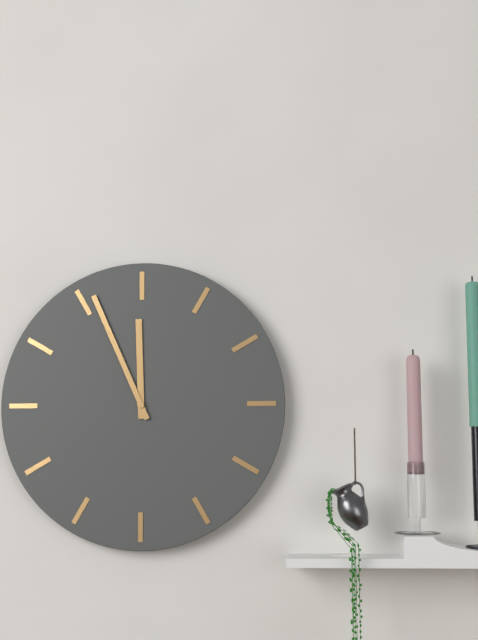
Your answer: 11 h 56 min
